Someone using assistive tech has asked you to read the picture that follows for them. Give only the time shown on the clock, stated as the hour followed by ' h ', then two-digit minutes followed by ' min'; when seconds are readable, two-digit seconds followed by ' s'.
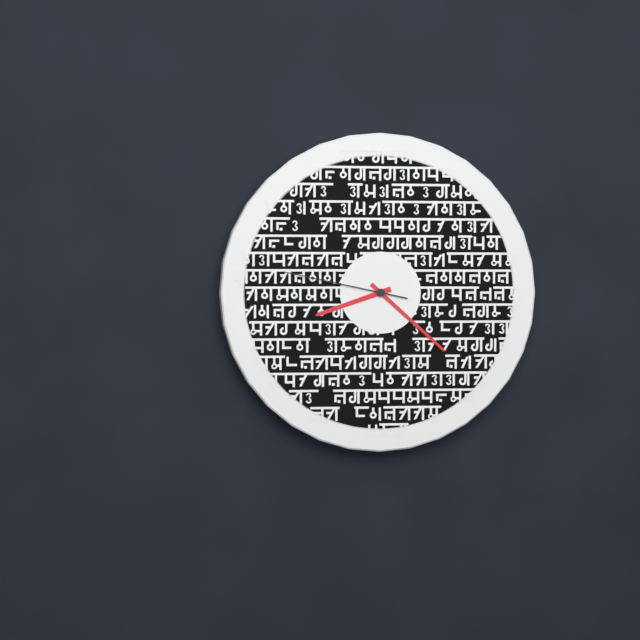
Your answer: 8 h 22 min 47 s
